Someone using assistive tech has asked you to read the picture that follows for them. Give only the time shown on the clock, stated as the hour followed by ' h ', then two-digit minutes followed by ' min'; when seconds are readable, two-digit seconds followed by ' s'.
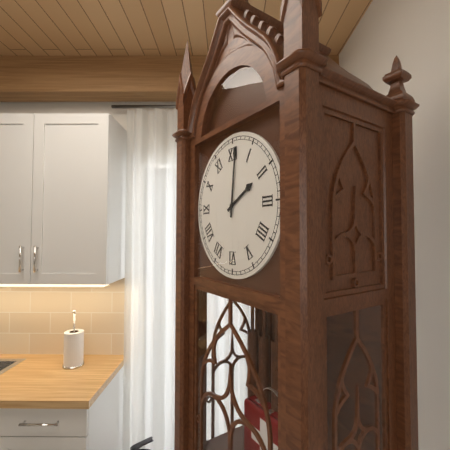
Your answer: 2 h 01 min
